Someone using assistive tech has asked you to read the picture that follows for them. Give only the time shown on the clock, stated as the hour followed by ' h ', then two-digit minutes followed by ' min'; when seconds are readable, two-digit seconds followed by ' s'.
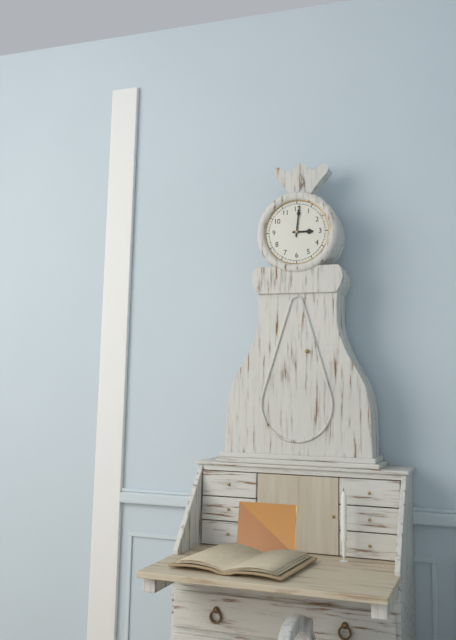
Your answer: 3 h 01 min
